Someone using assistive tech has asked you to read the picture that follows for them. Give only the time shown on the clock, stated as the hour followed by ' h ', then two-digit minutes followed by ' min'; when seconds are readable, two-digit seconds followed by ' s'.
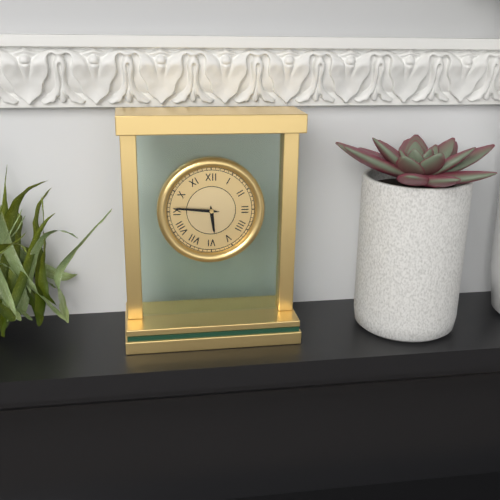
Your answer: 5 h 46 min
